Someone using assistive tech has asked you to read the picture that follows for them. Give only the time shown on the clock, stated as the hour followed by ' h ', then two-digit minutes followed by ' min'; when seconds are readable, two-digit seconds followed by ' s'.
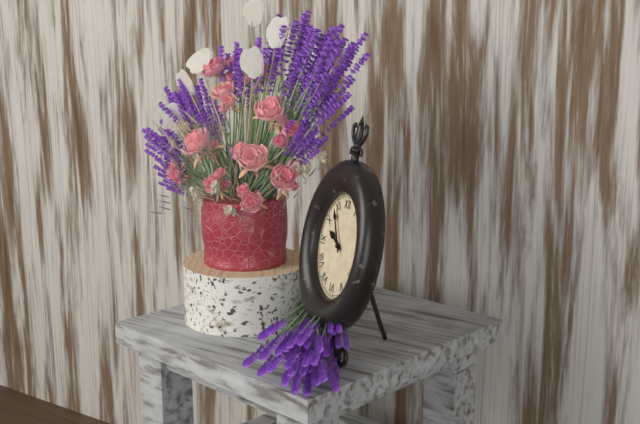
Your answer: 9 h 55 min
